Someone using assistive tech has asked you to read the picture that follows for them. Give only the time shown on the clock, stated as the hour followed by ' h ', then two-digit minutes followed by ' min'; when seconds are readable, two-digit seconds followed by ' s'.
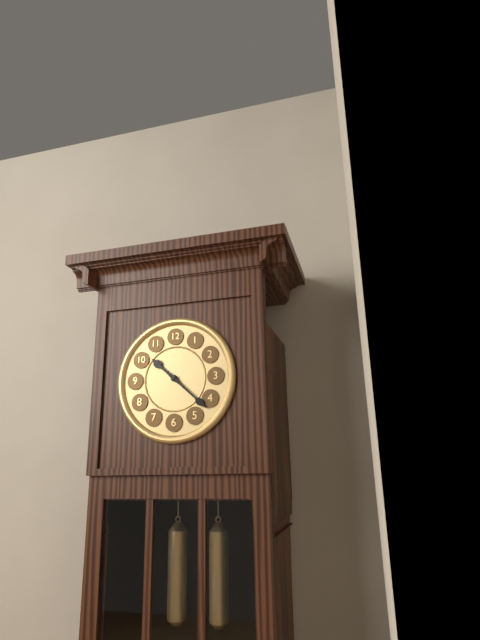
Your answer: 10 h 22 min
